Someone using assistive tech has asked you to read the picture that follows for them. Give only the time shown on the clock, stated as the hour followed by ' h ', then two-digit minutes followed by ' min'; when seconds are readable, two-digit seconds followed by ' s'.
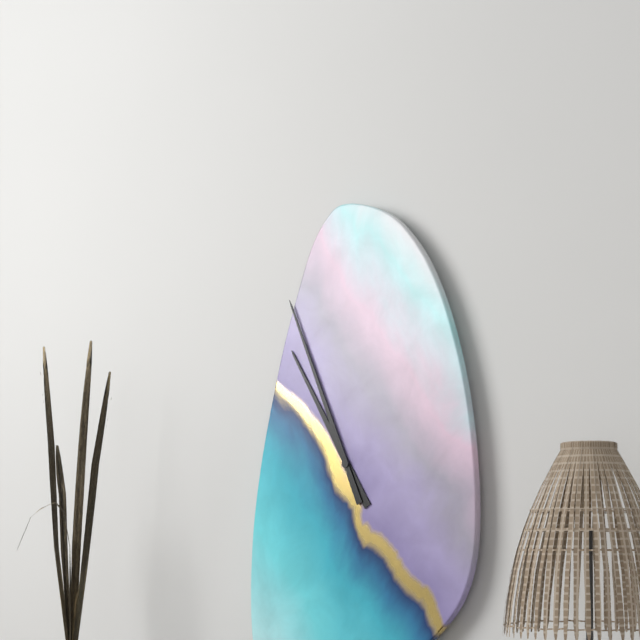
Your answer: 10 h 56 min
